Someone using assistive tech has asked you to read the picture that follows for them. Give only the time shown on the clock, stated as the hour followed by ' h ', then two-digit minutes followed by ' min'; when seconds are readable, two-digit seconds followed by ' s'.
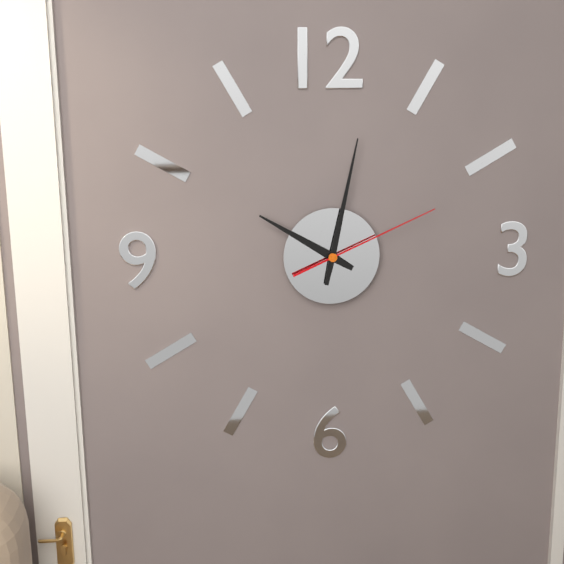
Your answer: 10 h 02 min 11 s
